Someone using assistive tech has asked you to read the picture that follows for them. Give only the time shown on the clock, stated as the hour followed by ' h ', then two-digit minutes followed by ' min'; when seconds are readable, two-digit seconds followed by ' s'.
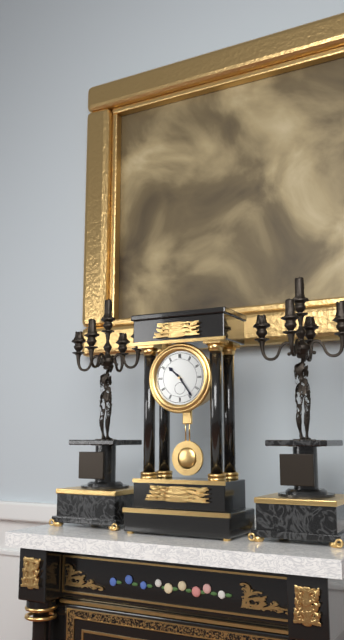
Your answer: 10 h 24 min
